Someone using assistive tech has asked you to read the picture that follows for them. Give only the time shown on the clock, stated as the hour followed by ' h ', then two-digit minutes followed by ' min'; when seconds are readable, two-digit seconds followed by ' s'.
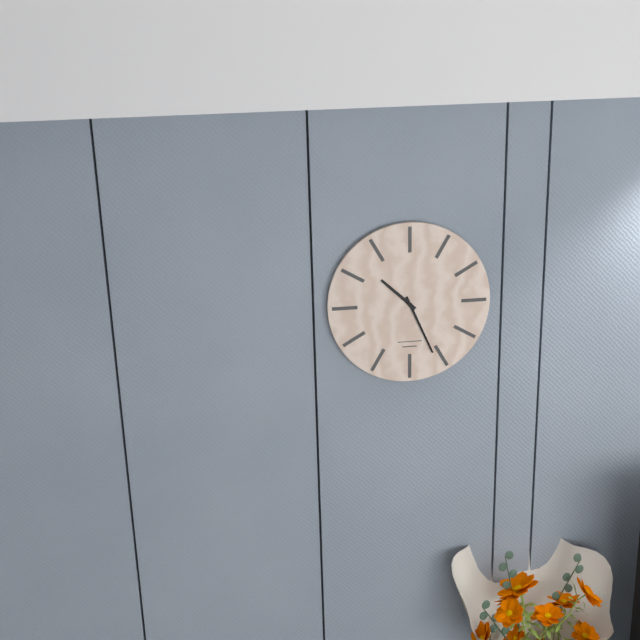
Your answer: 10 h 26 min
